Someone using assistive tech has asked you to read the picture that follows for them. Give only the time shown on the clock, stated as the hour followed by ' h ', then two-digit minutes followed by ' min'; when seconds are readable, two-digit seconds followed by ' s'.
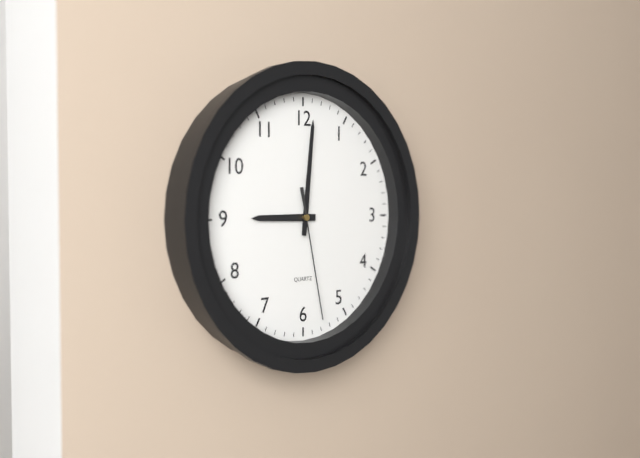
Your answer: 9 h 01 min 28 s
